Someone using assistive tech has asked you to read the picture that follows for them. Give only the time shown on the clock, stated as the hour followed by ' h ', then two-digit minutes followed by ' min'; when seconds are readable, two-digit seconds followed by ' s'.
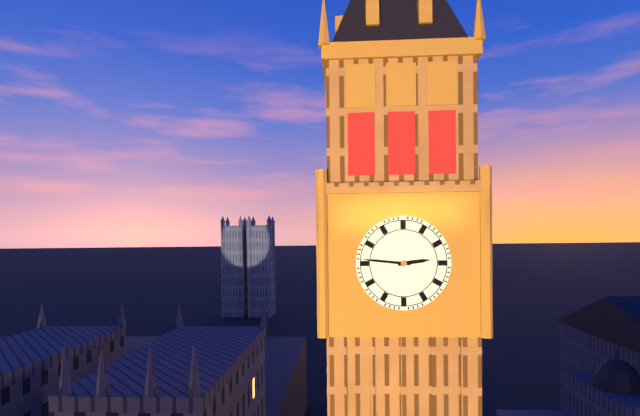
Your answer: 2 h 46 min
